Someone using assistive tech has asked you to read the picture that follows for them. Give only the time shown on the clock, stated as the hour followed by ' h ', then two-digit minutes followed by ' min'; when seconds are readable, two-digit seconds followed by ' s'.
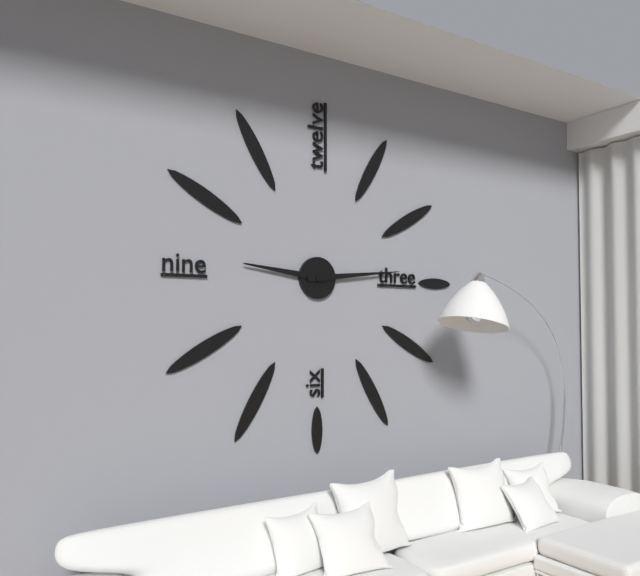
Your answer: 9 h 14 min
